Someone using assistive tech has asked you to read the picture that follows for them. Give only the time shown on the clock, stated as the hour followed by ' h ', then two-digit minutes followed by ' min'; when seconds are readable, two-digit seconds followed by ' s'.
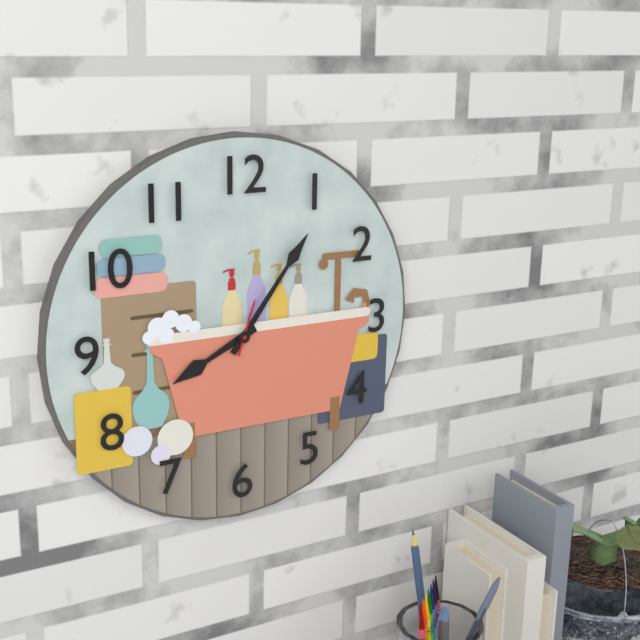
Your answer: 8 h 06 min 03 s
